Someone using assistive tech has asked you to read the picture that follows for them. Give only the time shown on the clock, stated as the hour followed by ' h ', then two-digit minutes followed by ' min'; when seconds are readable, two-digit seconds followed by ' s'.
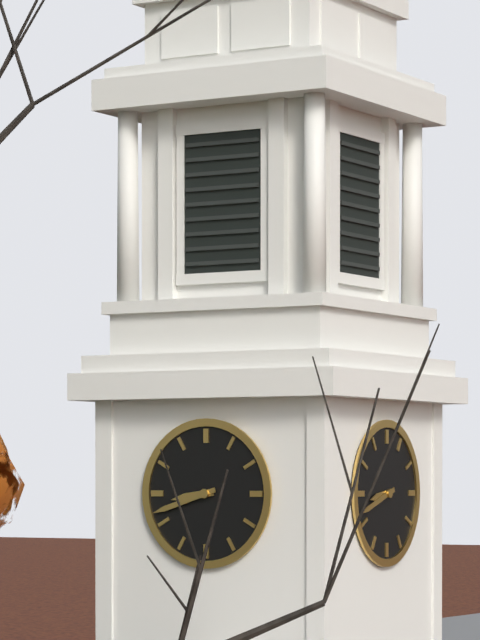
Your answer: 8 h 42 min
